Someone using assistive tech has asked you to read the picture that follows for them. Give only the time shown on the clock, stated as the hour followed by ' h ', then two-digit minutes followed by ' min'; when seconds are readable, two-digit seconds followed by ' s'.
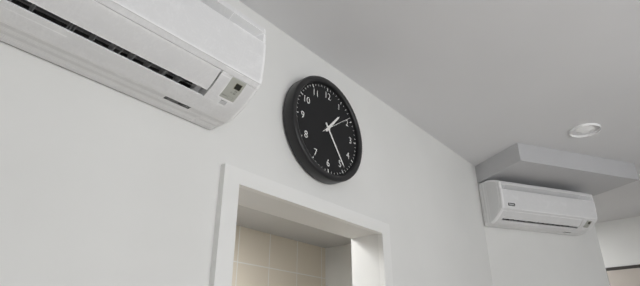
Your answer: 1 h 24 min
